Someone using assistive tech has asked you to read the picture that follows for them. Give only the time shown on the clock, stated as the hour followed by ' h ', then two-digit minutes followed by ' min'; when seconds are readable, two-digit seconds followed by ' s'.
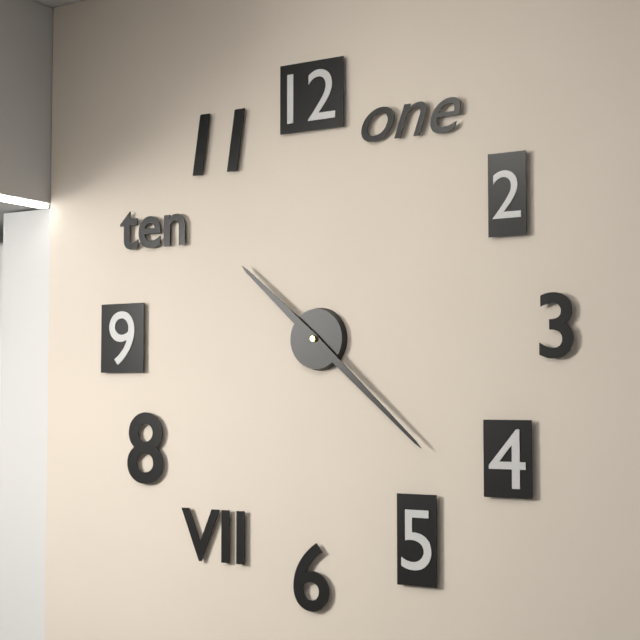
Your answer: 10 h 22 min
